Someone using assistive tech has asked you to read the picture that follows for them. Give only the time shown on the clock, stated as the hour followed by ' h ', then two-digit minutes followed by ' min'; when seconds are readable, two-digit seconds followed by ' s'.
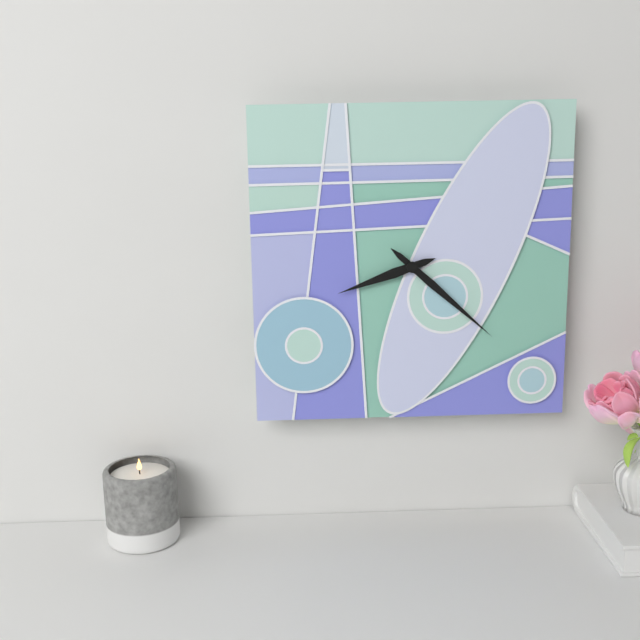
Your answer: 8 h 22 min
